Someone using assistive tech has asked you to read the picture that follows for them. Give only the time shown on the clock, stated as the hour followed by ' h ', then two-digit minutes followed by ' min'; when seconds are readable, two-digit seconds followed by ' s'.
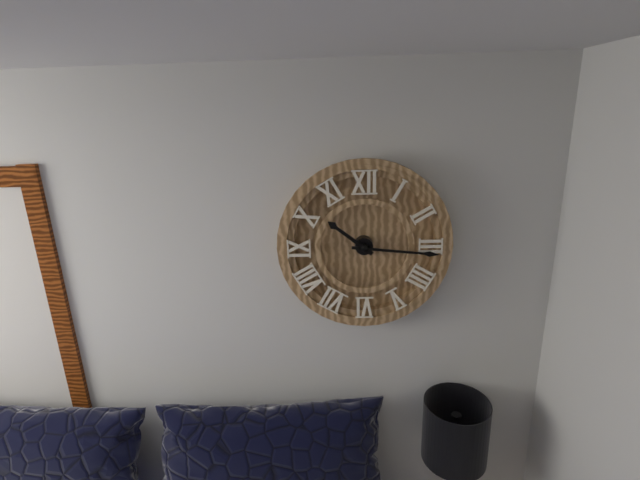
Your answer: 10 h 16 min
